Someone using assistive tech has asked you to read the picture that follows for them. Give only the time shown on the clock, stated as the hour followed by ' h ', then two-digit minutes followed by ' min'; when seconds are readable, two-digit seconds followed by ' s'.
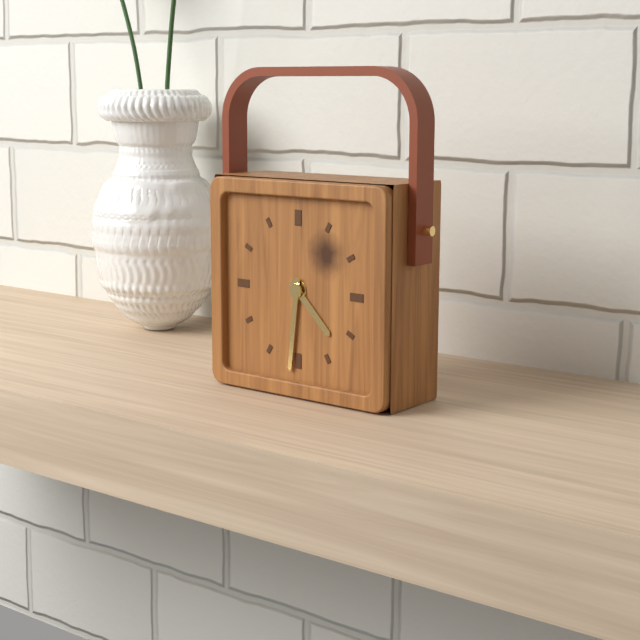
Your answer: 4 h 31 min
